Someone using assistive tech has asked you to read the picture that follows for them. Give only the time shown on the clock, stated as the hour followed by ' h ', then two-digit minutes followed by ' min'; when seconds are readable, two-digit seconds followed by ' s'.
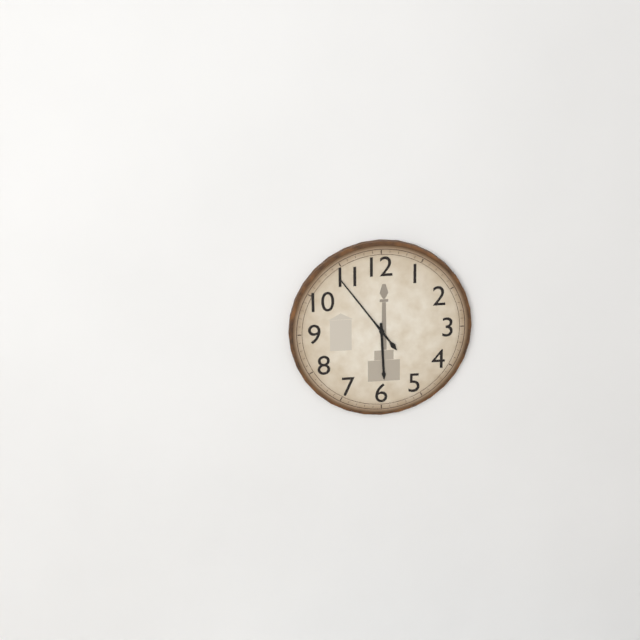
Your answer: 5 h 54 min
